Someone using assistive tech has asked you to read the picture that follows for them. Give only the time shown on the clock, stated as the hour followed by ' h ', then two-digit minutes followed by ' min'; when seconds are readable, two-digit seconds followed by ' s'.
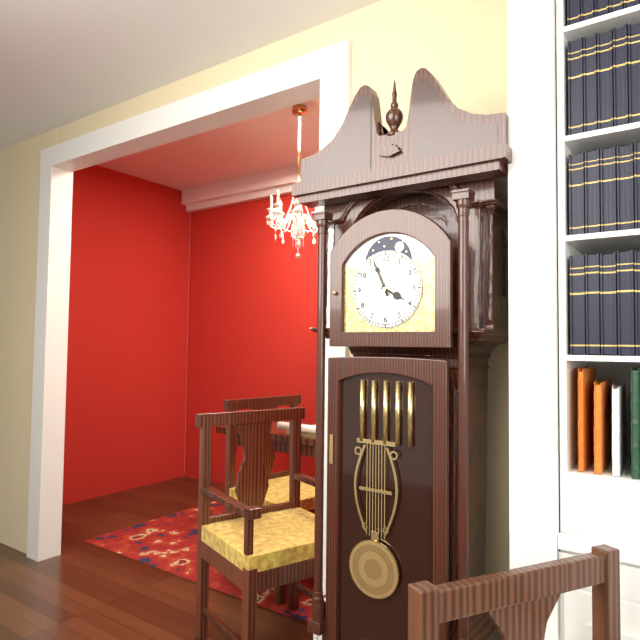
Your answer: 3 h 56 min
